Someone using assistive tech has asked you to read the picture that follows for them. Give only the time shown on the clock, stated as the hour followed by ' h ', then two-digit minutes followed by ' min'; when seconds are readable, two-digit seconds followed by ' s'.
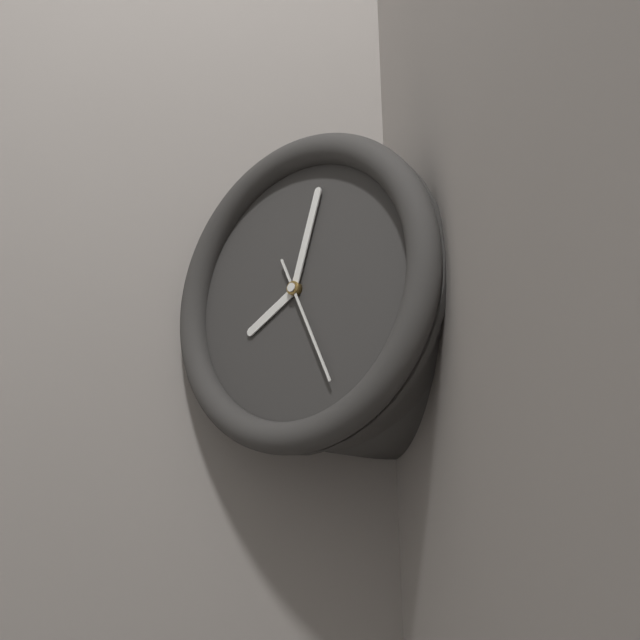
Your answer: 8 h 03 min 26 s
